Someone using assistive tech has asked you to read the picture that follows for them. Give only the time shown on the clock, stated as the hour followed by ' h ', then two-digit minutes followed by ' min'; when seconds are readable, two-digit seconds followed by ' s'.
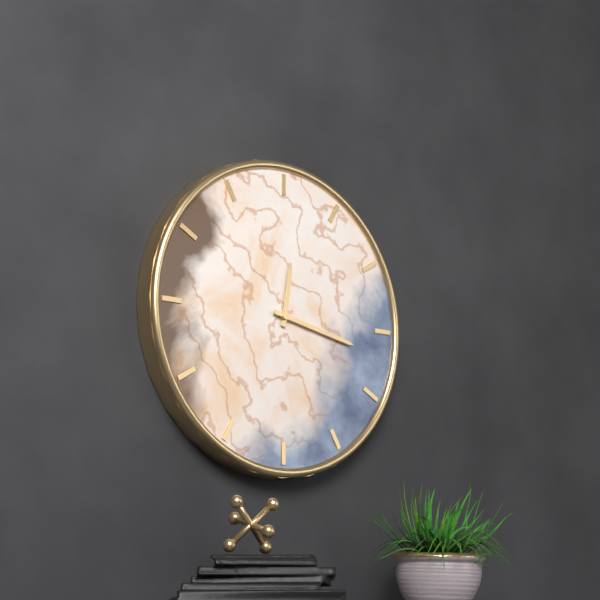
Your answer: 12 h 17 min
